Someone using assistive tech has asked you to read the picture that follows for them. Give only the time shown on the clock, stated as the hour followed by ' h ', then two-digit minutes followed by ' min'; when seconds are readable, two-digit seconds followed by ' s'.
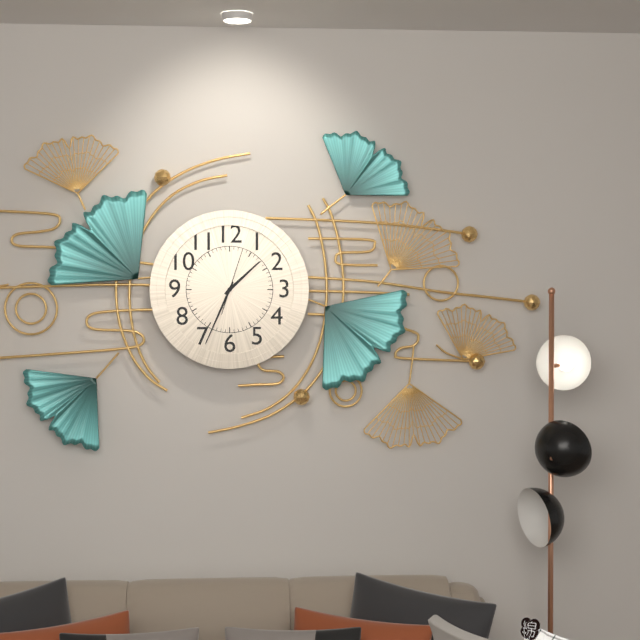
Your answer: 1 h 34 min 03 s
